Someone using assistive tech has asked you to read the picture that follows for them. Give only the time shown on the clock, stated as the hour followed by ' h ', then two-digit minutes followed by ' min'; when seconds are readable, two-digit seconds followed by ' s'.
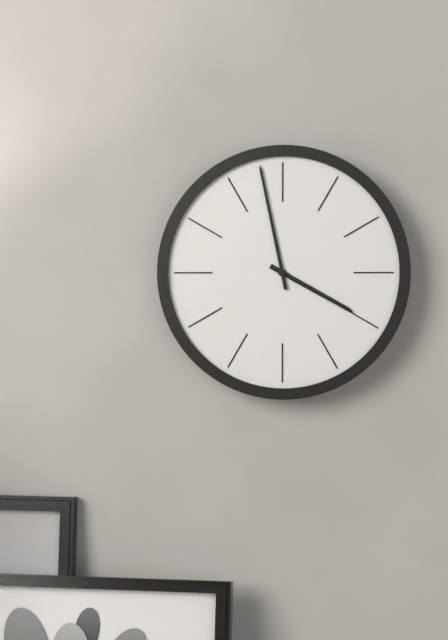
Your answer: 3 h 58 min
